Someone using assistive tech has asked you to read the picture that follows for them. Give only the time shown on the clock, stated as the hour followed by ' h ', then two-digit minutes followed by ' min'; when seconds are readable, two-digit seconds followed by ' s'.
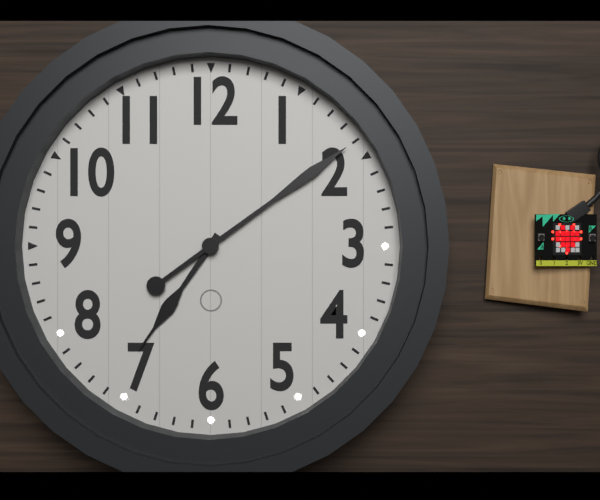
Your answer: 7 h 09 min
